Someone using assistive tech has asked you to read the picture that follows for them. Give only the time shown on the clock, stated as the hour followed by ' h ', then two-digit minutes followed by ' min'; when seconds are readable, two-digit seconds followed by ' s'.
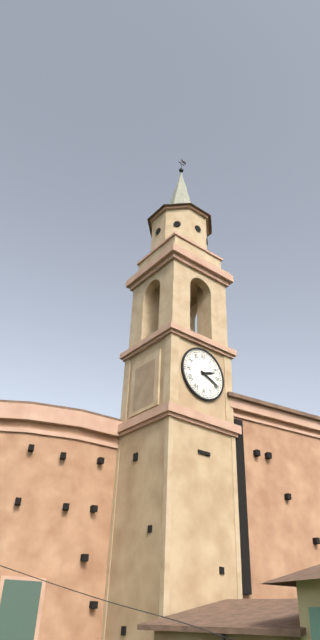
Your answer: 2 h 19 min
